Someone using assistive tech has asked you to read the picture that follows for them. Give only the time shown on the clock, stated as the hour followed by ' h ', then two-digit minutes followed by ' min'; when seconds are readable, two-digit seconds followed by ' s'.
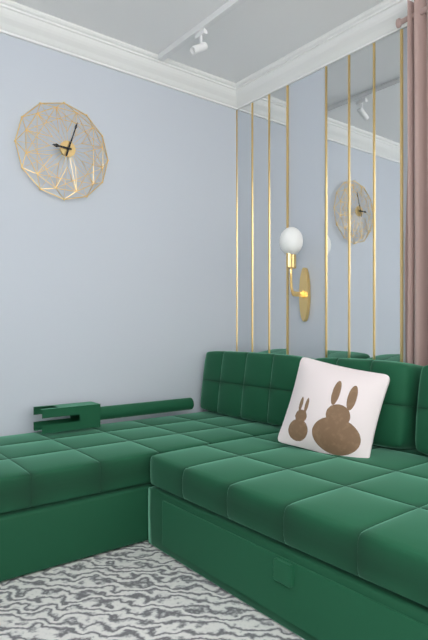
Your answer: 9 h 03 min
